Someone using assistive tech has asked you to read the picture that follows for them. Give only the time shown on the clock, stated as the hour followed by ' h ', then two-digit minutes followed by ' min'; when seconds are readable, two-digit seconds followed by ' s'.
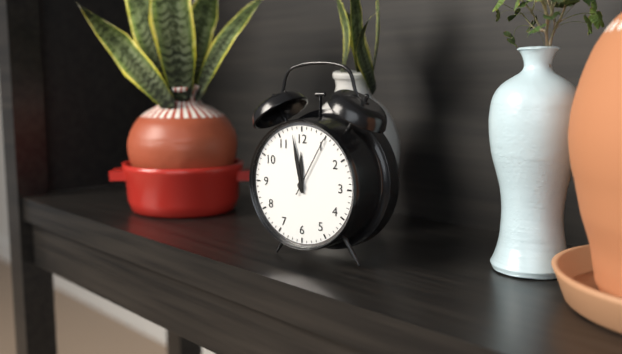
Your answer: 11 h 58 min 05 s
